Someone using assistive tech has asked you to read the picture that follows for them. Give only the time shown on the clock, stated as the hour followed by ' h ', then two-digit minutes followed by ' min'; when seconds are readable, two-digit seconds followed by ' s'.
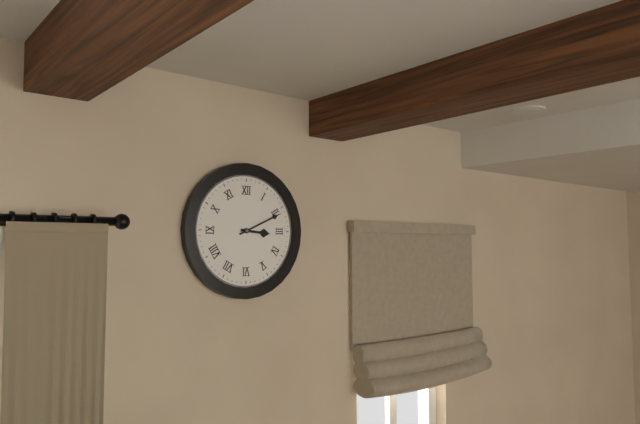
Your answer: 3 h 11 min
